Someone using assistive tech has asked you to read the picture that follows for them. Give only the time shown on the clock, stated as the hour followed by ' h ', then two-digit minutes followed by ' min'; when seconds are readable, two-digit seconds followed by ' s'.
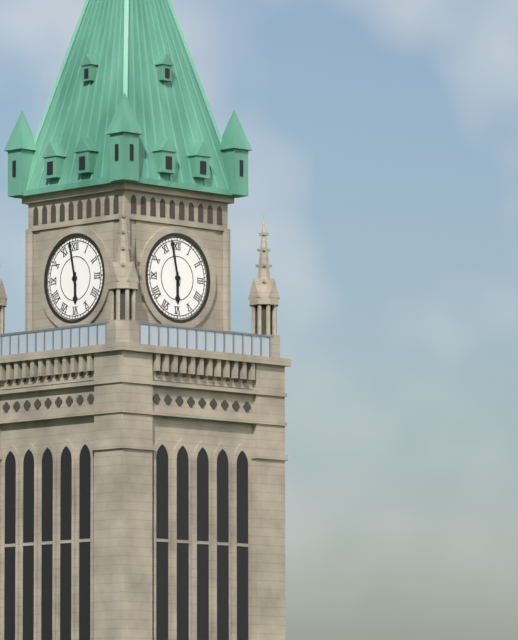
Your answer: 5 h 58 min
